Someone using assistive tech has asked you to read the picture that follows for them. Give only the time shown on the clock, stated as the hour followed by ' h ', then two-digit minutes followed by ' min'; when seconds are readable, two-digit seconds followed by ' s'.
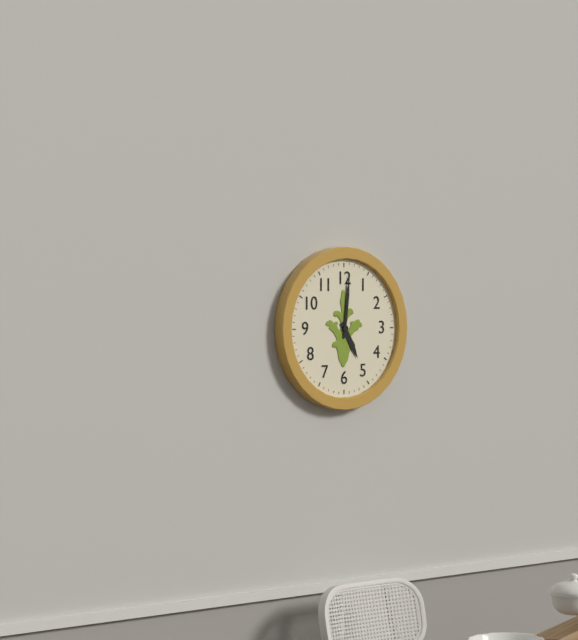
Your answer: 5 h 01 min
